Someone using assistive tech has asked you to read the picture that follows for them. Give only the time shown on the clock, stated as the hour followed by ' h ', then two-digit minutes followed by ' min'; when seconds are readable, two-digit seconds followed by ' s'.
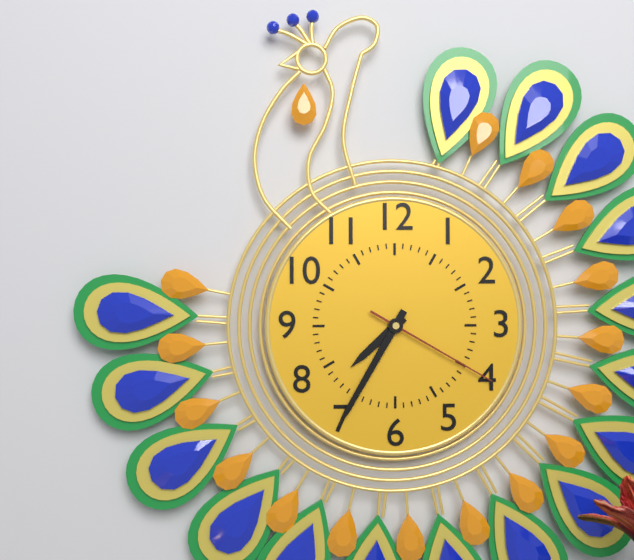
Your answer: 7 h 35 min 20 s
